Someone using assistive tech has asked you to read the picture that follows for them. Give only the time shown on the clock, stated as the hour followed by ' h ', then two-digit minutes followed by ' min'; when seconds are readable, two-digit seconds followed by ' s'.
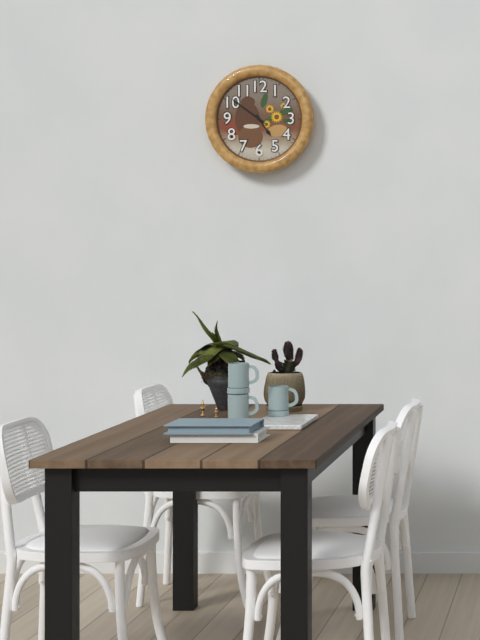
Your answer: 4 h 51 min
